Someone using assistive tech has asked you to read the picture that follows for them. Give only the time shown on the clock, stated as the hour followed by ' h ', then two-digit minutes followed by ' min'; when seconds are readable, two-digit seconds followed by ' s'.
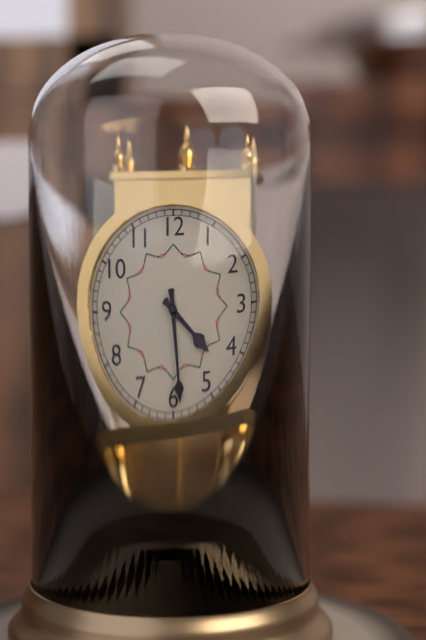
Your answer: 4 h 29 min
